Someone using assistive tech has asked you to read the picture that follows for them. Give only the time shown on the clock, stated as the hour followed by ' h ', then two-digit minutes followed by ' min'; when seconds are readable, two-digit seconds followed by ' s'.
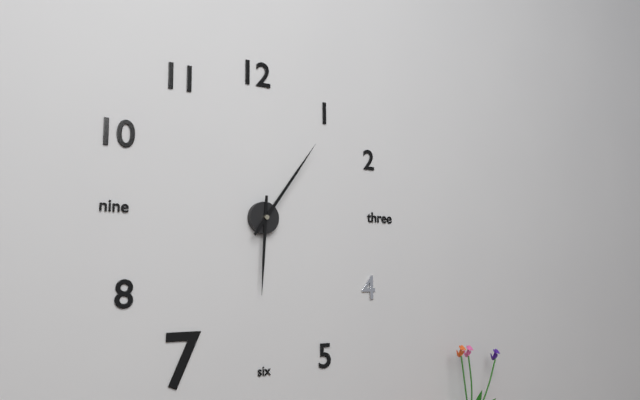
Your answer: 6 h 06 min
